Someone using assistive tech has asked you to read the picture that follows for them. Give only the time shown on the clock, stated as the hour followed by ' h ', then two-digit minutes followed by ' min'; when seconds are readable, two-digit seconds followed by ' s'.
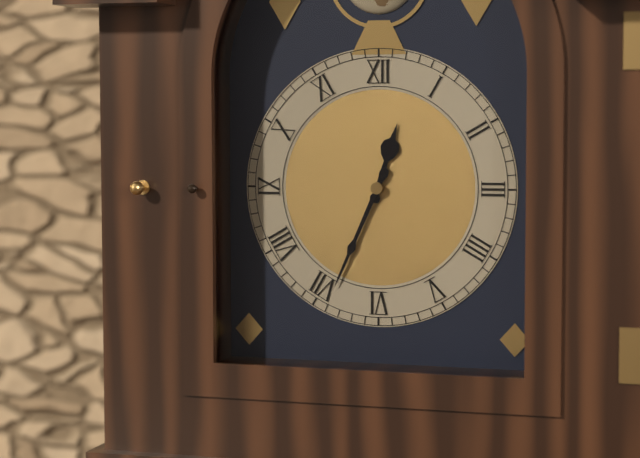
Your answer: 12 h 34 min
